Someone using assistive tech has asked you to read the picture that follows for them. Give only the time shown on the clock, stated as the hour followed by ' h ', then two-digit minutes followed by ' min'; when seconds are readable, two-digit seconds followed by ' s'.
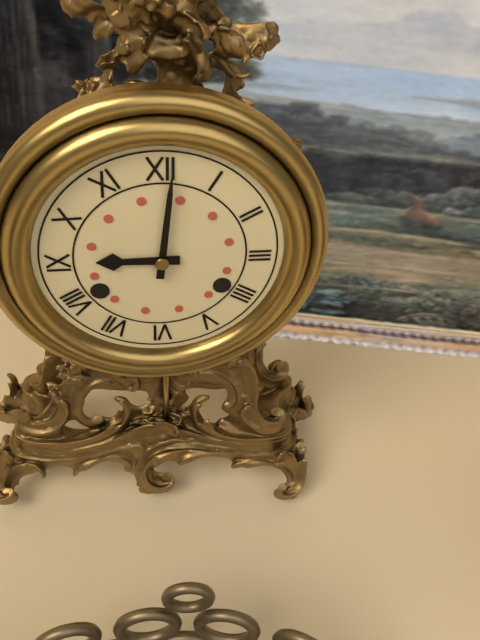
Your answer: 9 h 01 min
